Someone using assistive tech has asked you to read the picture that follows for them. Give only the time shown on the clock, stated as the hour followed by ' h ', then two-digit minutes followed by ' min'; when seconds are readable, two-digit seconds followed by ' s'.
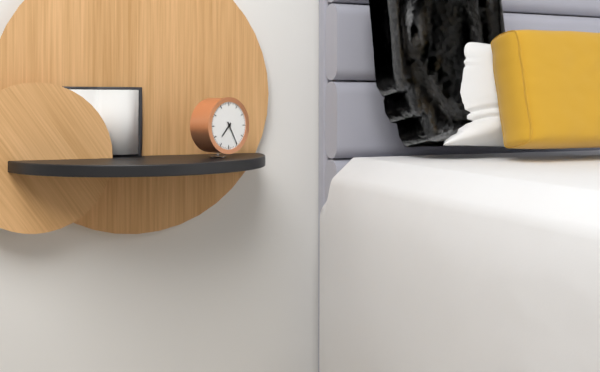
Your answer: 7 h 25 min
